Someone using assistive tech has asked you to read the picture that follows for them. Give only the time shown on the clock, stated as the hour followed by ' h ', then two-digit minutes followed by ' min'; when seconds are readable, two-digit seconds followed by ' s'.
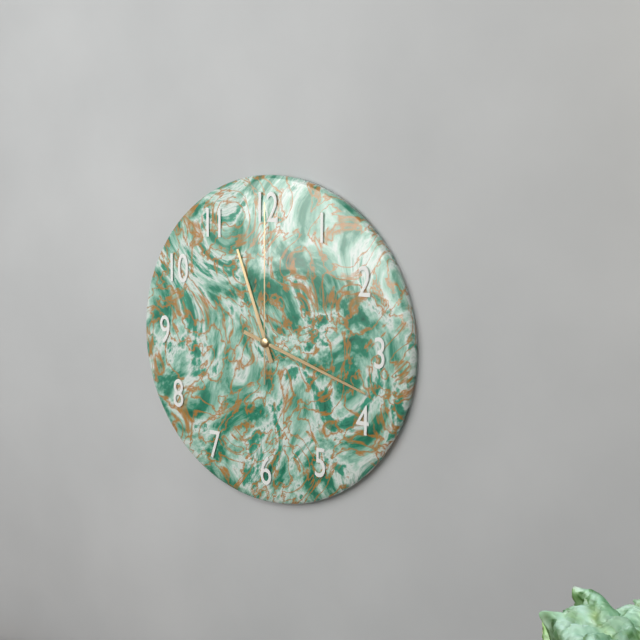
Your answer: 11 h 18 min 00 s
